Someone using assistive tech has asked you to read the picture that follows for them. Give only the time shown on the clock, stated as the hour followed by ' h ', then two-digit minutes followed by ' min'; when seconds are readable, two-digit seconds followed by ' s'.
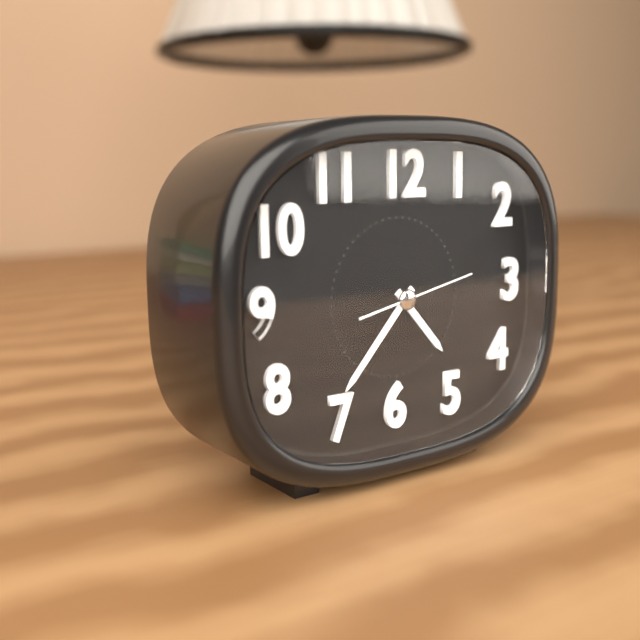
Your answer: 4 h 37 min 13 s
